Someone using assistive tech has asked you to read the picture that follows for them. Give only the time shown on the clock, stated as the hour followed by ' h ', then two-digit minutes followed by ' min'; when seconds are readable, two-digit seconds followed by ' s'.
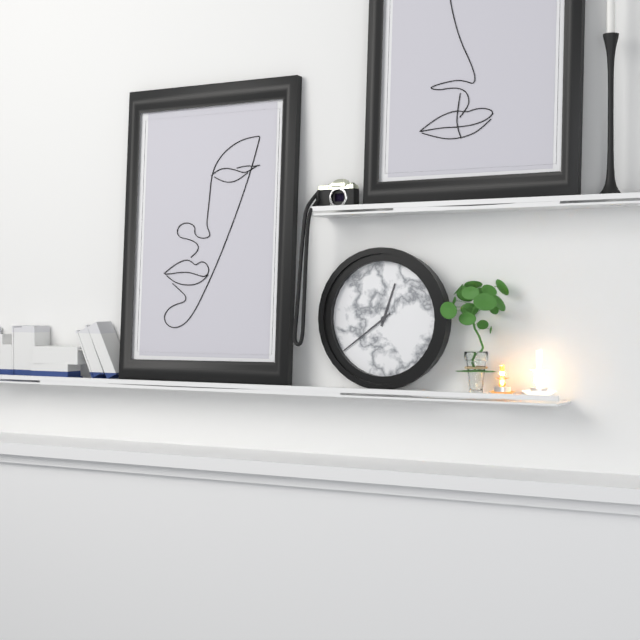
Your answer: 12 h 39 min
